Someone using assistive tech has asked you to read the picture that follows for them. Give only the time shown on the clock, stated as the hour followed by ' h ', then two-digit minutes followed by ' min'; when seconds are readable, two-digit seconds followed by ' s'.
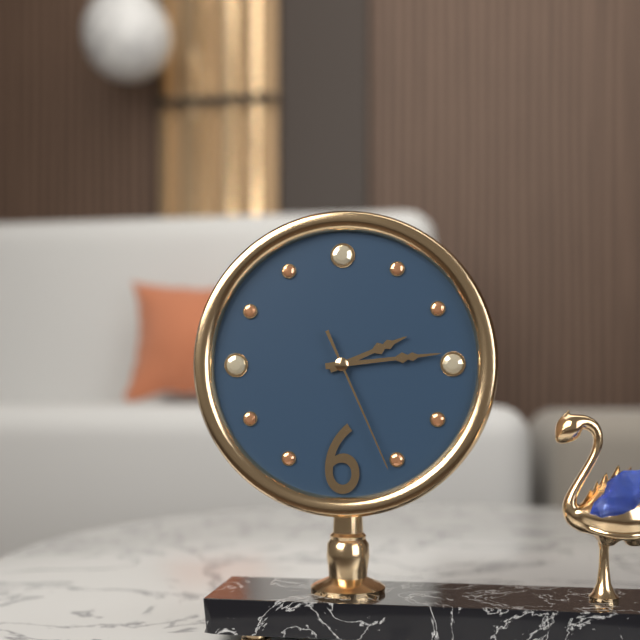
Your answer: 2 h 14 min 26 s
